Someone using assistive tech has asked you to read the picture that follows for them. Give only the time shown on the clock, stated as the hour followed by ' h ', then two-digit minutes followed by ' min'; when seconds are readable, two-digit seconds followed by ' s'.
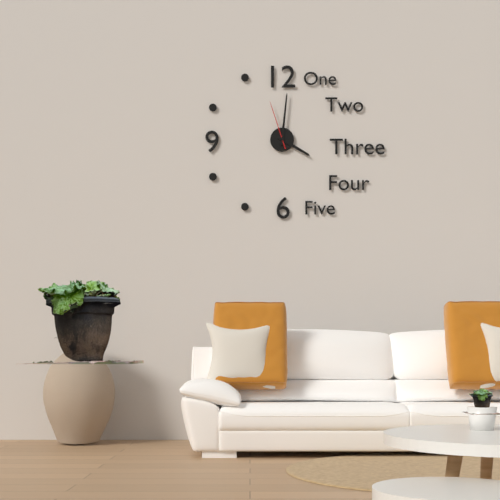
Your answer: 4 h 01 min 57 s
